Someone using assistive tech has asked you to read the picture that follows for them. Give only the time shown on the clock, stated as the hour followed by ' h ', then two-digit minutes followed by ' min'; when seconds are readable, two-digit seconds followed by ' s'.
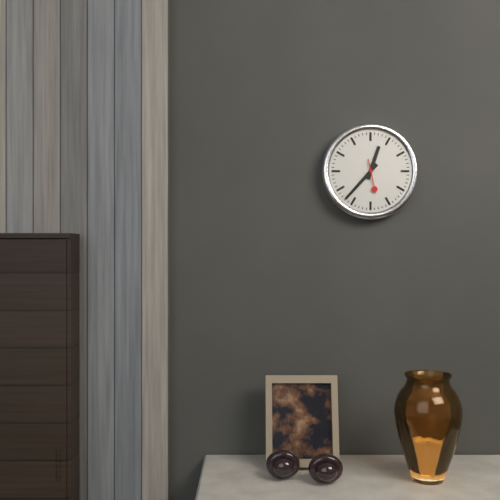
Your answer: 12 h 37 min
